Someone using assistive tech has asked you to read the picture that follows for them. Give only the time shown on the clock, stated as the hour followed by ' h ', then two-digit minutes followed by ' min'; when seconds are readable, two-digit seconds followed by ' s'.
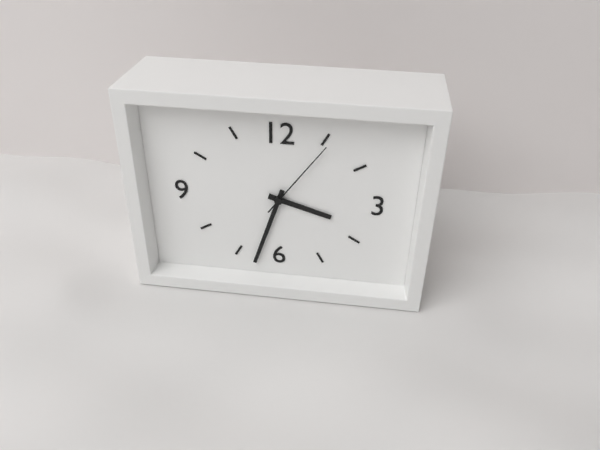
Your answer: 3 h 33 min 06 s
